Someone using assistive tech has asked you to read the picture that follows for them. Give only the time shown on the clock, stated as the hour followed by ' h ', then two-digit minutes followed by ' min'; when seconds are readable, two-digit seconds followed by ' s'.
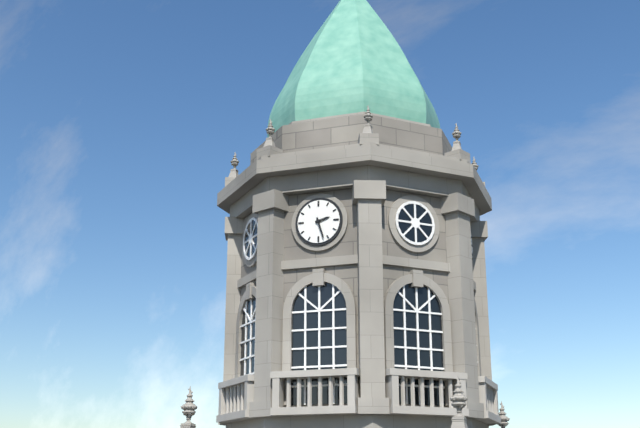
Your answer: 2 h 27 min
